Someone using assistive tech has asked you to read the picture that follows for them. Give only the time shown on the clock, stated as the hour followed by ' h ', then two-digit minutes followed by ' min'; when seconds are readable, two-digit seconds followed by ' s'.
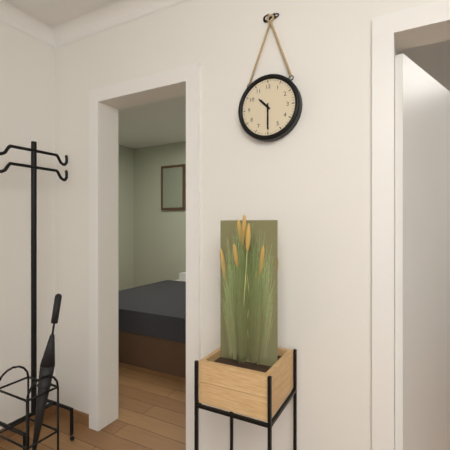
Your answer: 10 h 30 min
